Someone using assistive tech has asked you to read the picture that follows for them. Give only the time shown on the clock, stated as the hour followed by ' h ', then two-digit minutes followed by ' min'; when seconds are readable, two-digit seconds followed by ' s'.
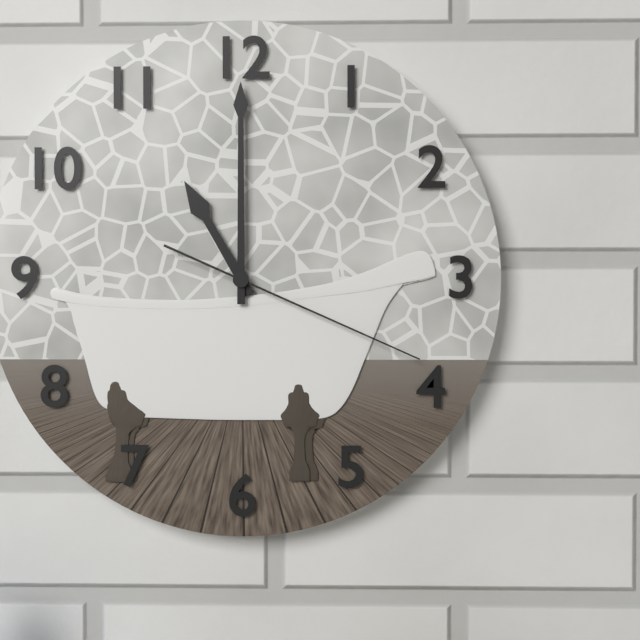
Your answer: 11 h 00 min 19 s
